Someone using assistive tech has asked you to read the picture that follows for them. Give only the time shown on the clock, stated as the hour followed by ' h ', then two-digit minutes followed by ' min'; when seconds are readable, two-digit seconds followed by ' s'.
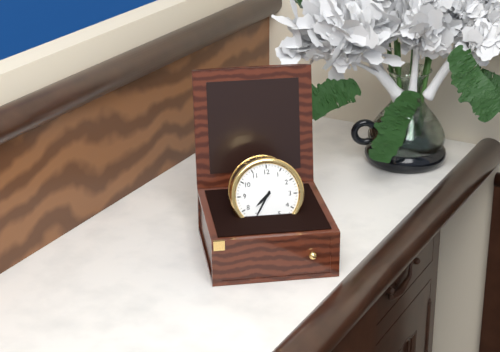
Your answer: 7 h 35 min
